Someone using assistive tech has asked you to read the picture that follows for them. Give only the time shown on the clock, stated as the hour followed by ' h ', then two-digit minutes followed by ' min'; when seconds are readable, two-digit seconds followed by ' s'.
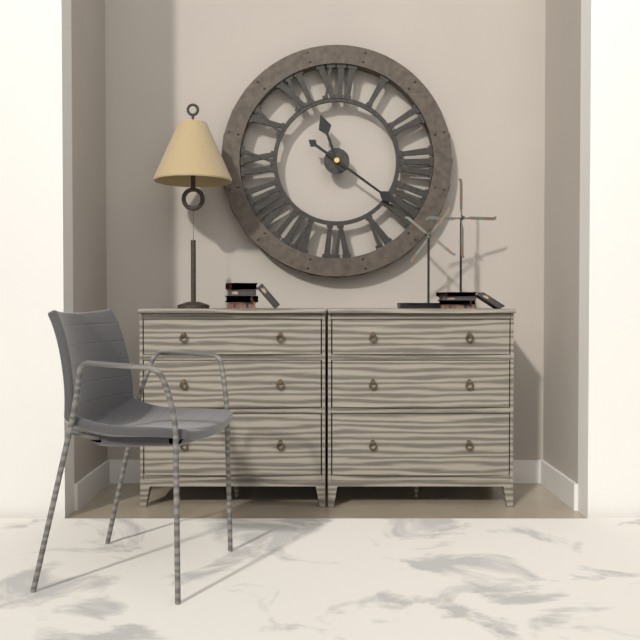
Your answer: 11 h 21 min
